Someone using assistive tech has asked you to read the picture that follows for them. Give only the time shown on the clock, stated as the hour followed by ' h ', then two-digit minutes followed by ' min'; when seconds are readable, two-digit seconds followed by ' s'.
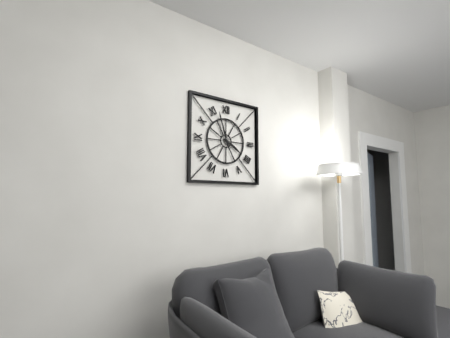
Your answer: 3 h 57 min
